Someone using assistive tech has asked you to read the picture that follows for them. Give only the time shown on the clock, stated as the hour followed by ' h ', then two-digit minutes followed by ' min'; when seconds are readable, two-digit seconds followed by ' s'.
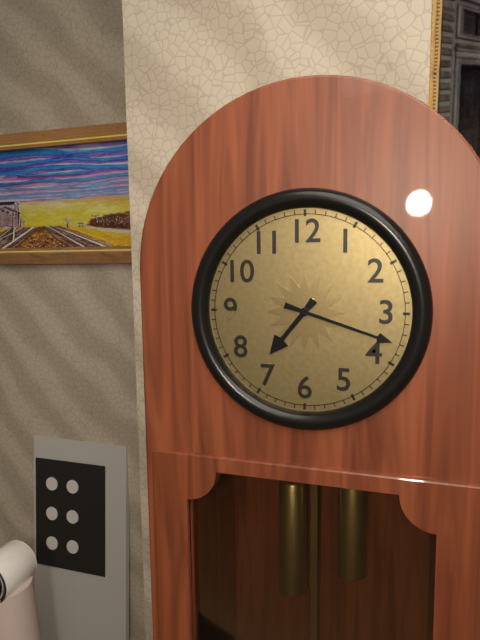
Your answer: 7 h 18 min
